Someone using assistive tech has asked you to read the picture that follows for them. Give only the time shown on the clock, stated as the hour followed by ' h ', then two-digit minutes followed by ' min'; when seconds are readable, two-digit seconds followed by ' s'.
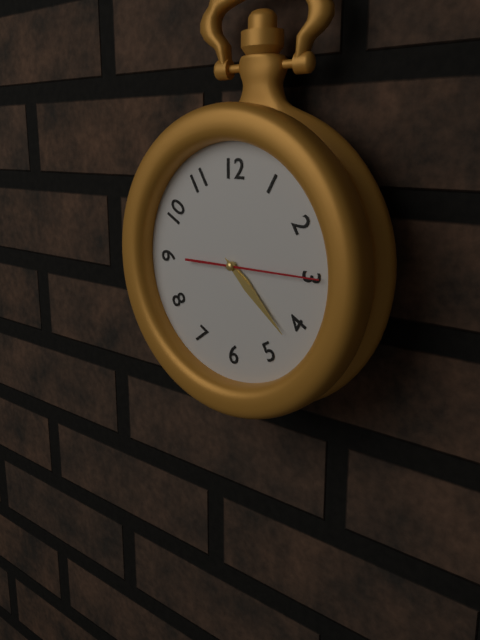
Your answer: 4 h 22 min 15 s
